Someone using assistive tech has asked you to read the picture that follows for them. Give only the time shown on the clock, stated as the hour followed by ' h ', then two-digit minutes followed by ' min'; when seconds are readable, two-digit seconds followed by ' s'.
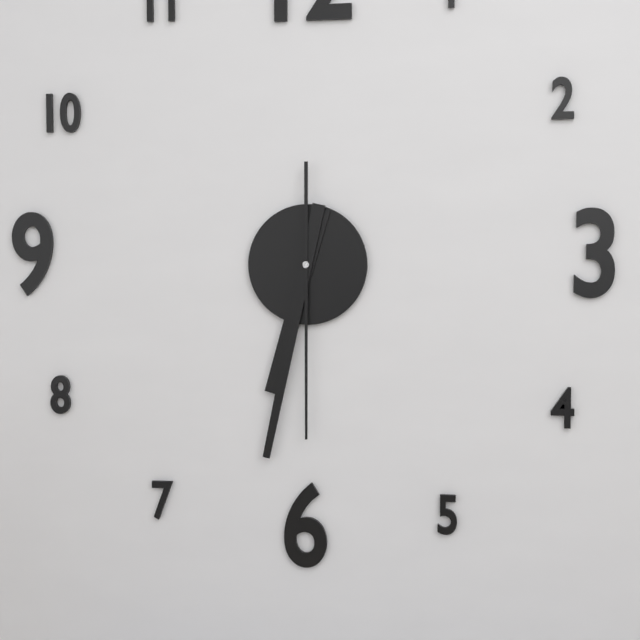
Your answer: 6 h 32 min 30 s
